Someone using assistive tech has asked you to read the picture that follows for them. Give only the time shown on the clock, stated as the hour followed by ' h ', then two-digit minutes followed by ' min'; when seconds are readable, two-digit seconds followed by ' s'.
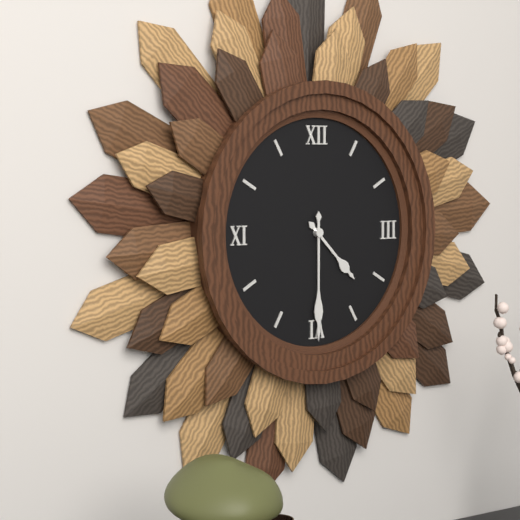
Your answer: 4 h 30 min
